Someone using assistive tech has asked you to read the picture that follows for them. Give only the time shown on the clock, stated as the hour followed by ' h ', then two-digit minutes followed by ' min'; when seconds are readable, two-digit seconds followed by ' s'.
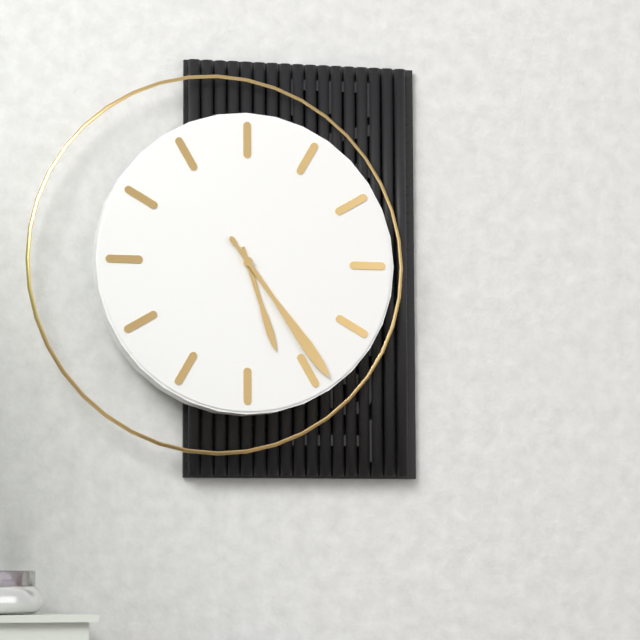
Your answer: 5 h 24 min
